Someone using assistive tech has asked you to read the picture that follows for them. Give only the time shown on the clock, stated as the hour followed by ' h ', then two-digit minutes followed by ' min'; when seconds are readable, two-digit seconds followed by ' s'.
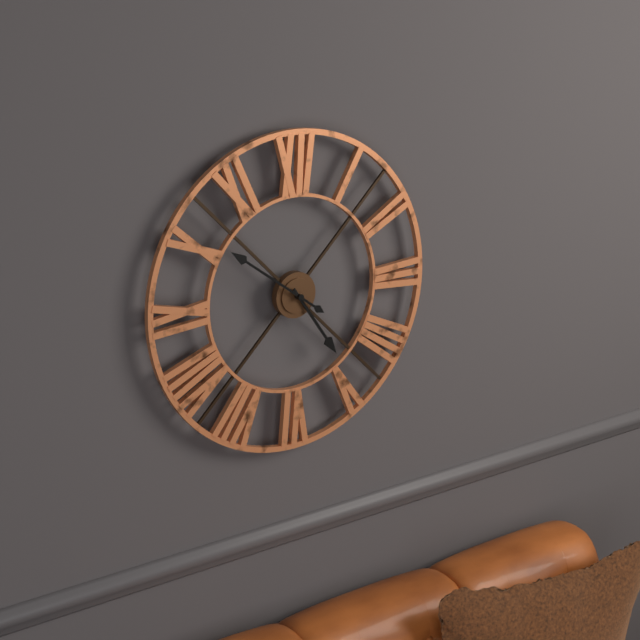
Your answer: 4 h 51 min
